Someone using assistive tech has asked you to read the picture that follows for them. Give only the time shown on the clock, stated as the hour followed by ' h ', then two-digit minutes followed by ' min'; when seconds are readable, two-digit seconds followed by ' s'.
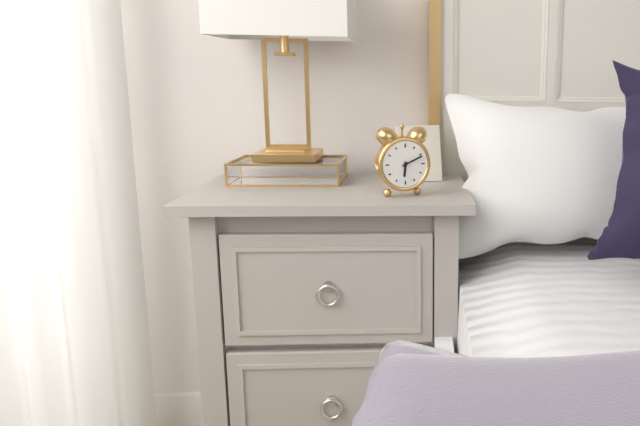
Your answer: 6 h 11 min
